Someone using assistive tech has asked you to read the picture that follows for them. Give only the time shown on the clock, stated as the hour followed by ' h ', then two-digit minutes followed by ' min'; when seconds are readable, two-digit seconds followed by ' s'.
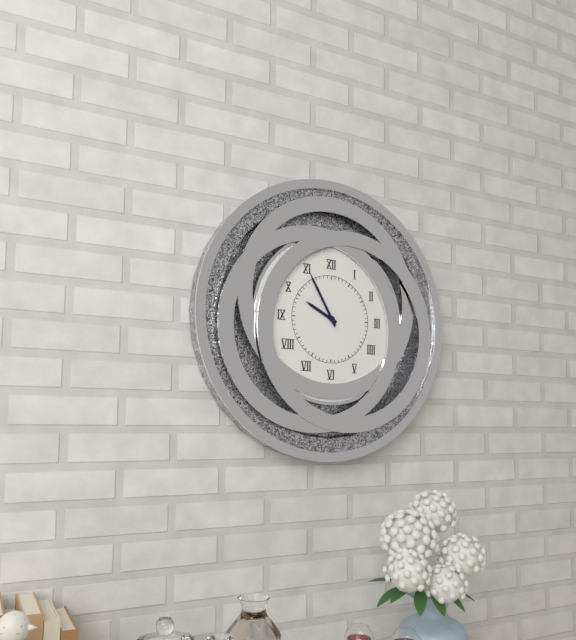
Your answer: 9 h 55 min
